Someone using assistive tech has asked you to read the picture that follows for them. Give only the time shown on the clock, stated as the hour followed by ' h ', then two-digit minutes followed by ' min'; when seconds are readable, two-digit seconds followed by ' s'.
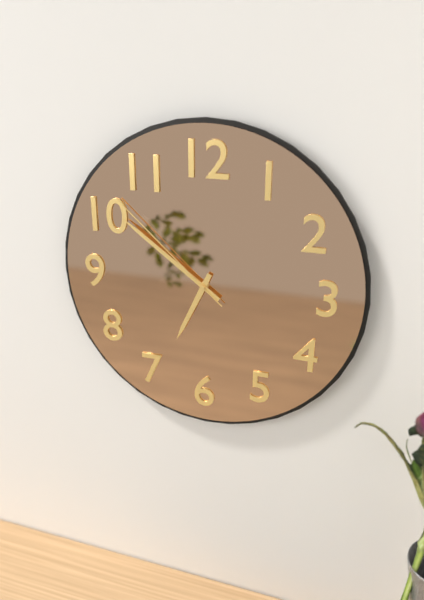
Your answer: 6 h 51 min 52 s
